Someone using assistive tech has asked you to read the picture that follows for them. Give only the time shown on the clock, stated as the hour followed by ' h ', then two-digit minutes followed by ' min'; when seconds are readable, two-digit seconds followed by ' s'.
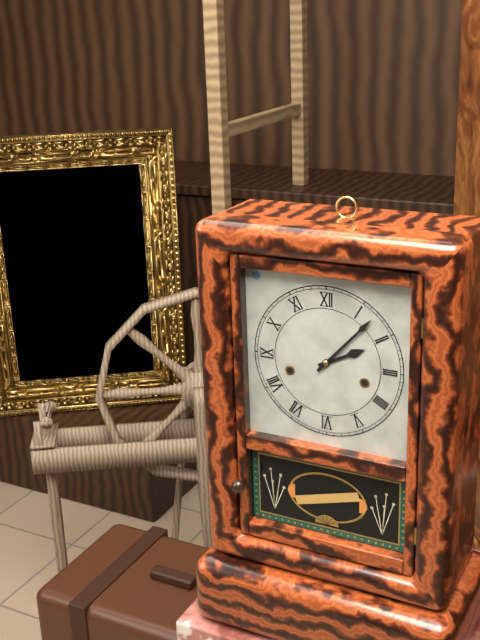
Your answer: 2 h 07 min
